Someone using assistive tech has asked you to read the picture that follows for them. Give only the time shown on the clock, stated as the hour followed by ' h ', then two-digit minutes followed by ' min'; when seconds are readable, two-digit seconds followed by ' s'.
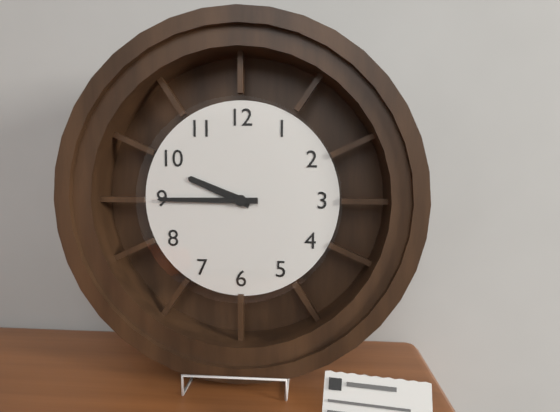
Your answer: 9 h 45 min
